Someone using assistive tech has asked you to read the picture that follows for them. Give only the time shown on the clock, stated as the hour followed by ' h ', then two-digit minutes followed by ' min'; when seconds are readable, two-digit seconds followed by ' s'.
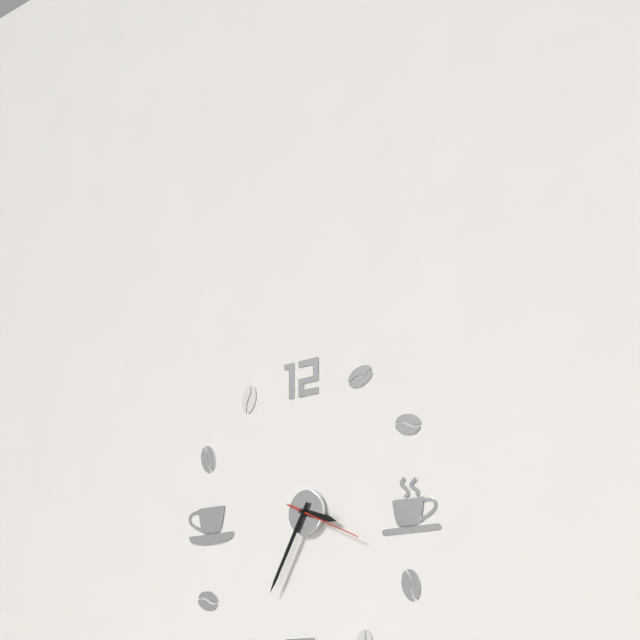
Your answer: 3 h 35 min 19 s
